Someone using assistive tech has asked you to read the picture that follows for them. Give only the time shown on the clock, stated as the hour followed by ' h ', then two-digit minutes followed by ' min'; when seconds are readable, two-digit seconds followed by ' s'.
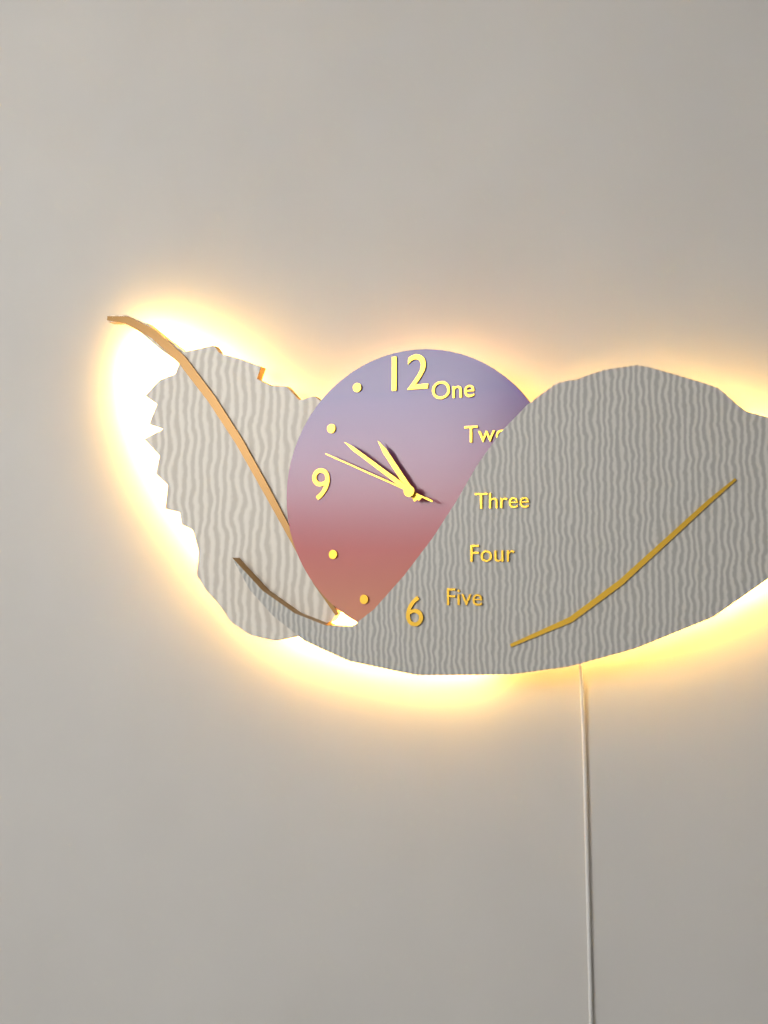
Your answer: 10 h 51 min 49 s
